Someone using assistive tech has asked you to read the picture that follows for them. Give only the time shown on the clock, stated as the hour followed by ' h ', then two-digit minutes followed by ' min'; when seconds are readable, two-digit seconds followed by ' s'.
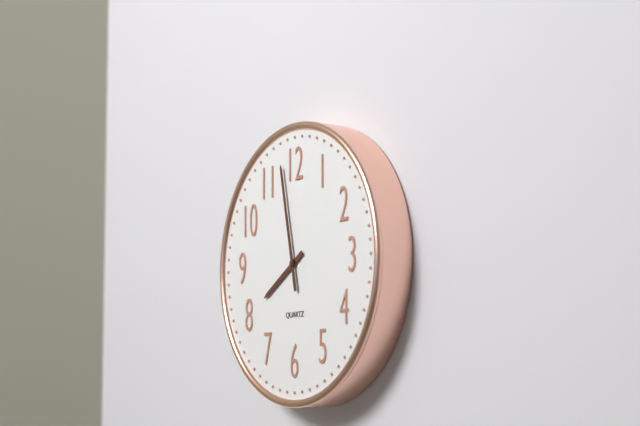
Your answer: 7 h 58 min
